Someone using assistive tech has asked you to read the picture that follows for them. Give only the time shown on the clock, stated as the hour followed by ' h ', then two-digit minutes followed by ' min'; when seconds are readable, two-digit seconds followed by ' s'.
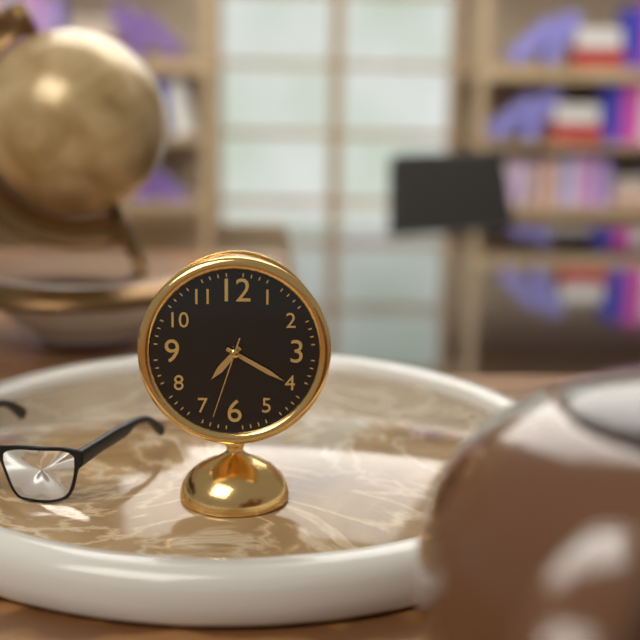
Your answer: 7 h 20 min 33 s
